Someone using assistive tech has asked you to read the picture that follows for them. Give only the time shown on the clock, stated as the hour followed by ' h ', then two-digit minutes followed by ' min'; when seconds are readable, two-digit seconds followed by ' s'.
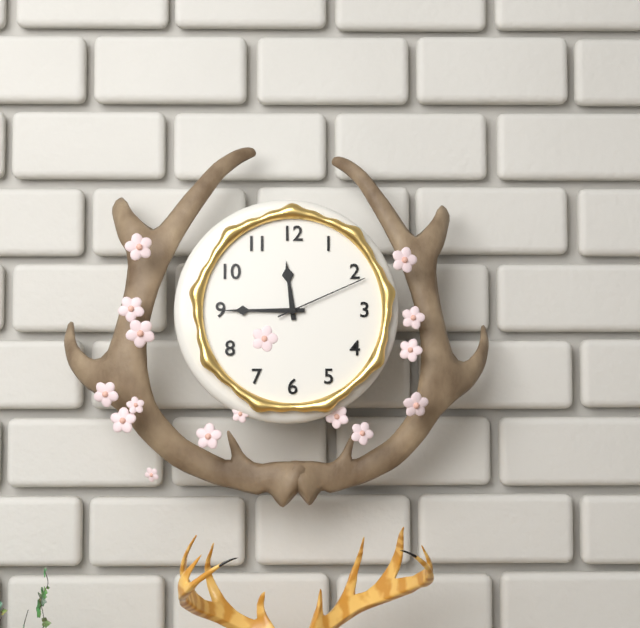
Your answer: 11 h 45 min 11 s
